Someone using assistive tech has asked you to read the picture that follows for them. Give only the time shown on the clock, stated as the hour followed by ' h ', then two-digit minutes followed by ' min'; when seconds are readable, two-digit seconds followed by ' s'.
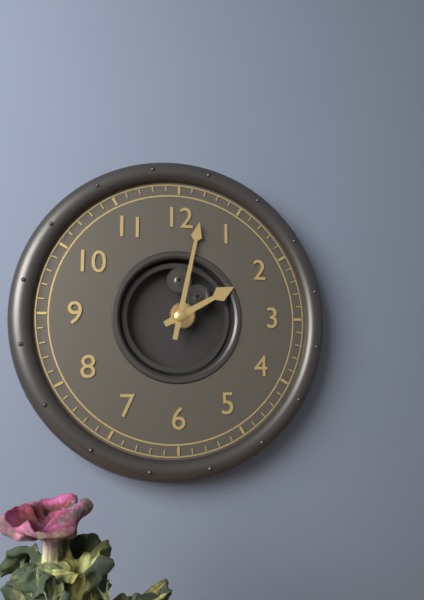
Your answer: 2 h 02 min
